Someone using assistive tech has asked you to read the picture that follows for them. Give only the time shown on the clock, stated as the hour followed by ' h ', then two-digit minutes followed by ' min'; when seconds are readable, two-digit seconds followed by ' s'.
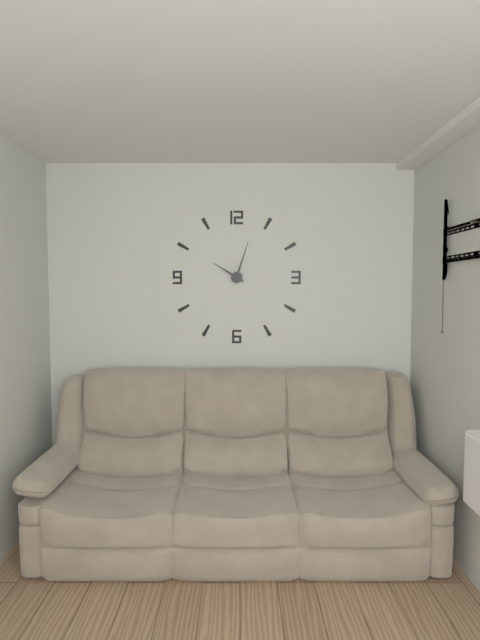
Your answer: 10 h 03 min
